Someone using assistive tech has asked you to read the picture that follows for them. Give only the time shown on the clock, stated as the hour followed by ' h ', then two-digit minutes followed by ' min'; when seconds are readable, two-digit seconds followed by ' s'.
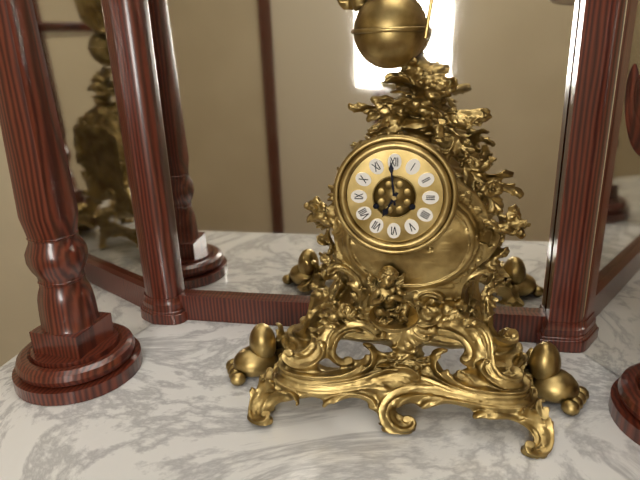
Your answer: 6 h 59 min
